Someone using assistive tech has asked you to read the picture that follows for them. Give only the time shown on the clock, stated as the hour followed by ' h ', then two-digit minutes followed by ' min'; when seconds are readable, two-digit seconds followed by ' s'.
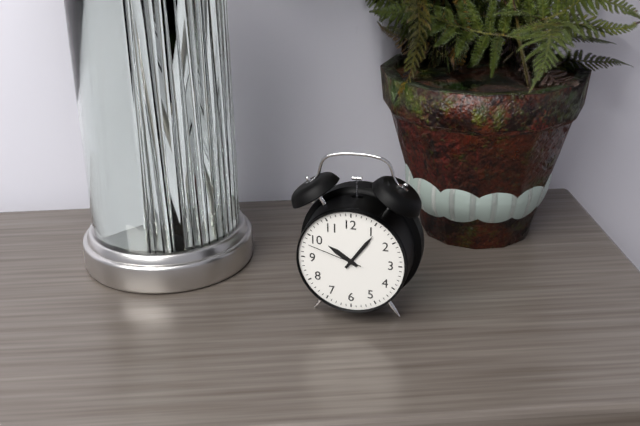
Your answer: 10 h 06 min 48 s
